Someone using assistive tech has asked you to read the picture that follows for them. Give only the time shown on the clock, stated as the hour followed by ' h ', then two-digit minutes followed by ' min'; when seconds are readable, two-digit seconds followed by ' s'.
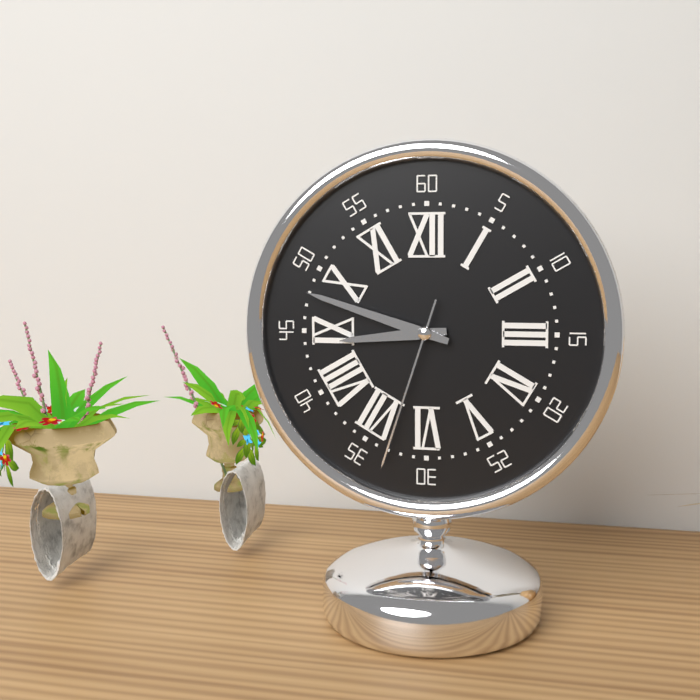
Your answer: 8 h 48 min 33 s
